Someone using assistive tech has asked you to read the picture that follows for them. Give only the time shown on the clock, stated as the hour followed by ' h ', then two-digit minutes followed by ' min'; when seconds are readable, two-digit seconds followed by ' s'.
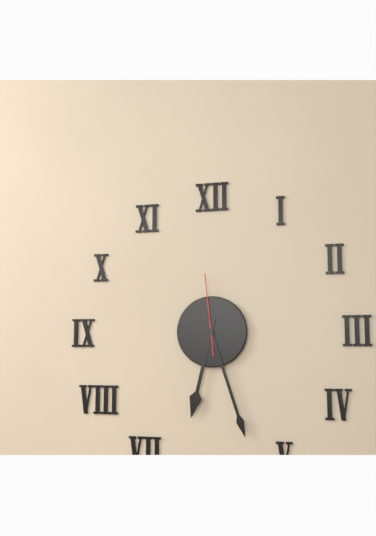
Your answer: 6 h 27 min 59 s
